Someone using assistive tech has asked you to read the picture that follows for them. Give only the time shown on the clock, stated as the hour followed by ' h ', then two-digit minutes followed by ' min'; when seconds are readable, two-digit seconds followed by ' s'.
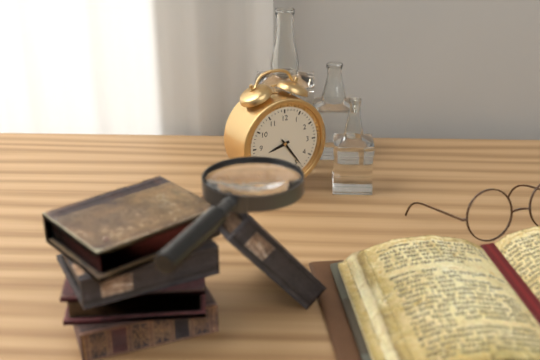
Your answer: 8 h 24 min
